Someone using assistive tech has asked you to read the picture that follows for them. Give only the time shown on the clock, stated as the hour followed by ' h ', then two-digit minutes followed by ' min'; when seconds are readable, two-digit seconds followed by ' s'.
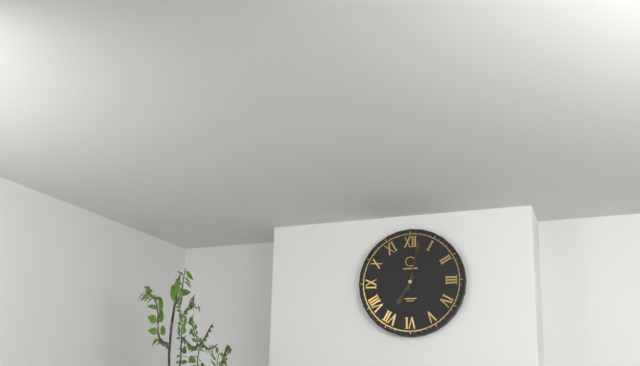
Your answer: 7 h 02 min
